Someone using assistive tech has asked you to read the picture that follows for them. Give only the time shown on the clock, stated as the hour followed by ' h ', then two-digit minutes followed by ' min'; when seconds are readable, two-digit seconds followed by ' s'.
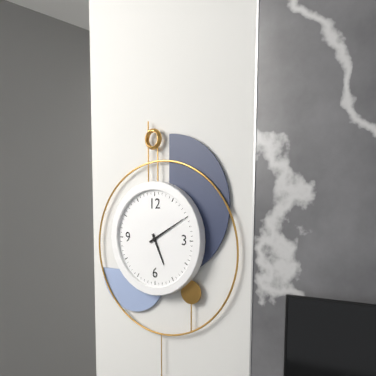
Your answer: 5 h 10 min
